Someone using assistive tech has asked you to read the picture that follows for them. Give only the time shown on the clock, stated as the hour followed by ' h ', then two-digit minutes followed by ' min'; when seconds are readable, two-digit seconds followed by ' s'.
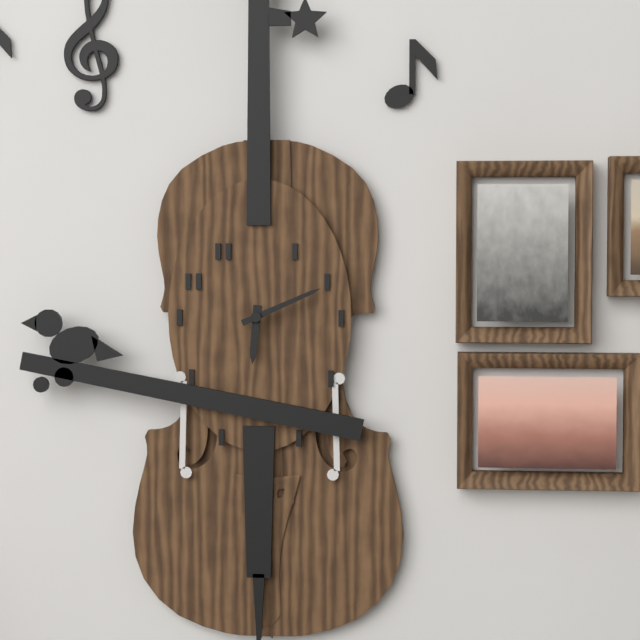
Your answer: 6 h 11 min
